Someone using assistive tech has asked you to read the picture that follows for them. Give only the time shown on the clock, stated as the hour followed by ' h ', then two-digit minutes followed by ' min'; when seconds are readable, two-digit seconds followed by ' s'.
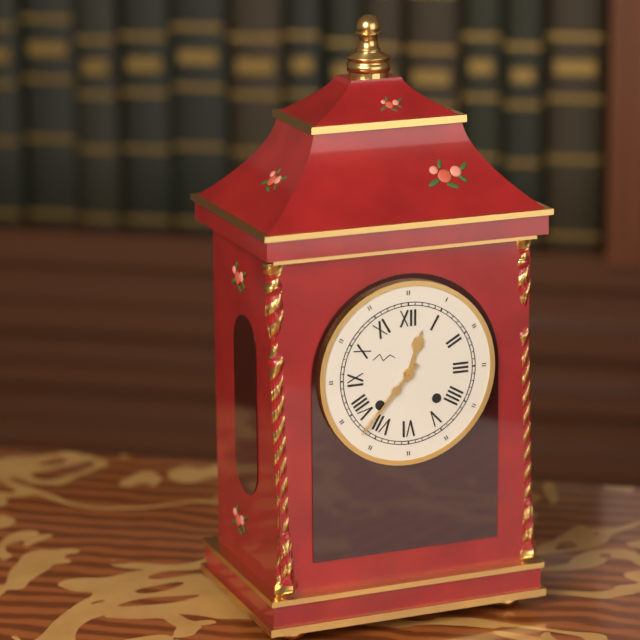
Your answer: 12 h 37 min
